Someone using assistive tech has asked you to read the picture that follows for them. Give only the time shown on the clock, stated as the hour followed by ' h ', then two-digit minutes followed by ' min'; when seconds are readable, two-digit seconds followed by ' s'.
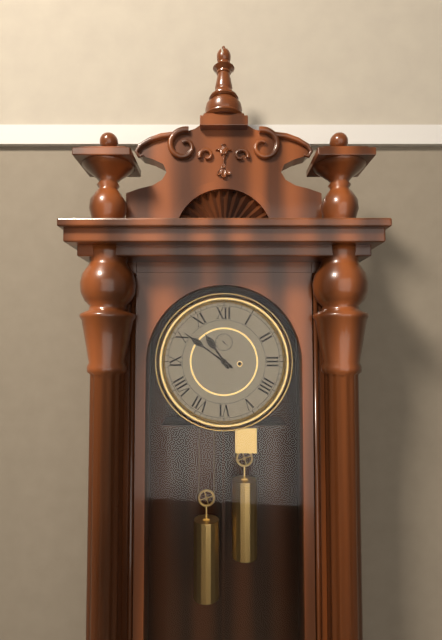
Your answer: 10 h 51 min
